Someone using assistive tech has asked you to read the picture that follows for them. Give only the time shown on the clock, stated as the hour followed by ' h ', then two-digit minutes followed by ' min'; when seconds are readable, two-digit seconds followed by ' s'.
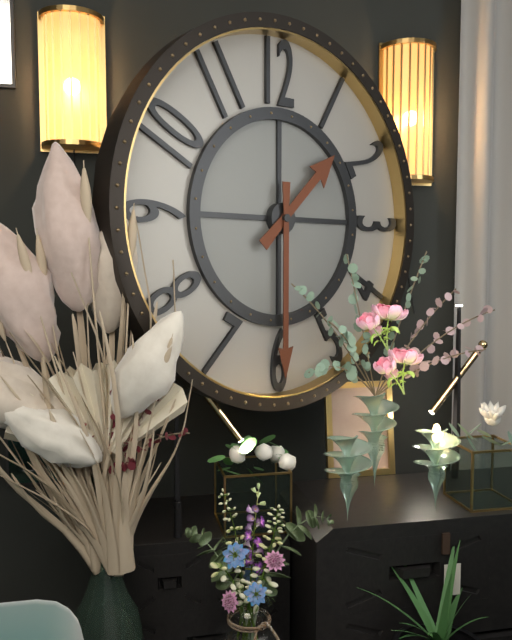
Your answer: 1 h 30 min
